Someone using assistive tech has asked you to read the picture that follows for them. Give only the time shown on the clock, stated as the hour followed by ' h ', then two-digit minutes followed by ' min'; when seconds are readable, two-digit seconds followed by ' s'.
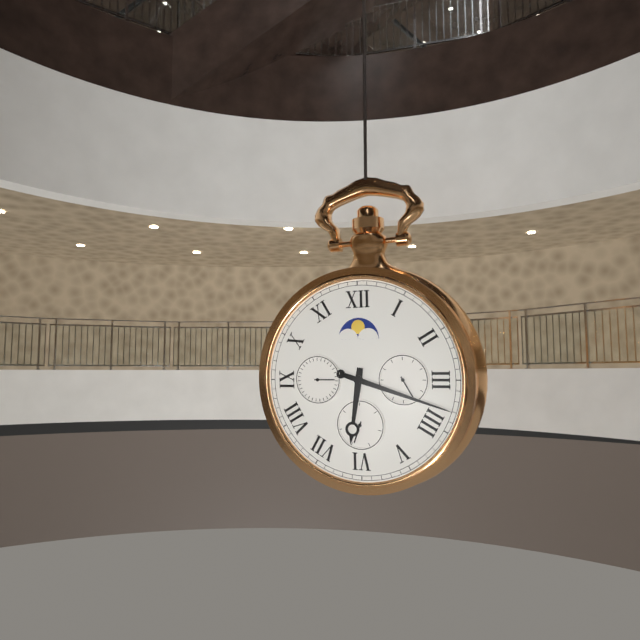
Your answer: 6 h 18 min
